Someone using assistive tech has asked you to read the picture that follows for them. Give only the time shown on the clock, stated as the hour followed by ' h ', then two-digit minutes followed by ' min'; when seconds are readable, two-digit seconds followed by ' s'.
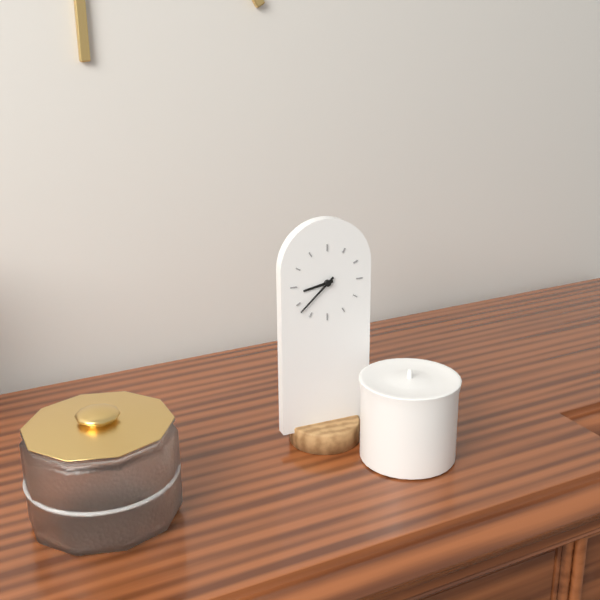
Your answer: 8 h 38 min
